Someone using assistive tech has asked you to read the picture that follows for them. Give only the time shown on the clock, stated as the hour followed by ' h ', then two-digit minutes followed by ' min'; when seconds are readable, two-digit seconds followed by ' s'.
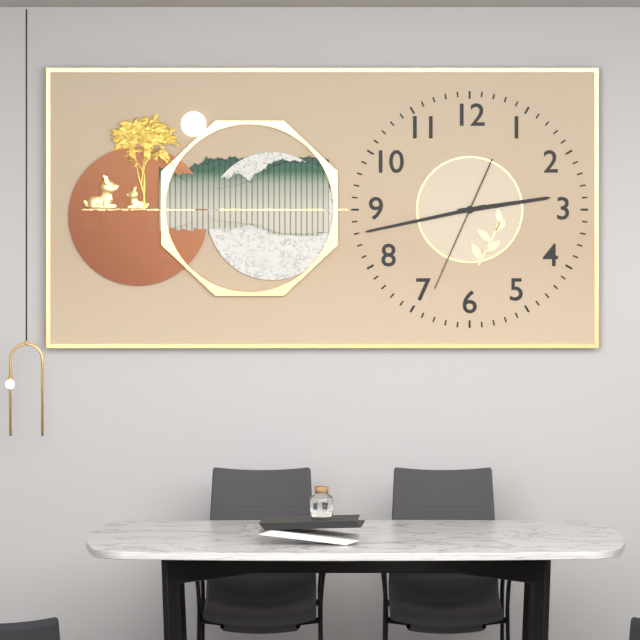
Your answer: 2 h 43 min 34 s
